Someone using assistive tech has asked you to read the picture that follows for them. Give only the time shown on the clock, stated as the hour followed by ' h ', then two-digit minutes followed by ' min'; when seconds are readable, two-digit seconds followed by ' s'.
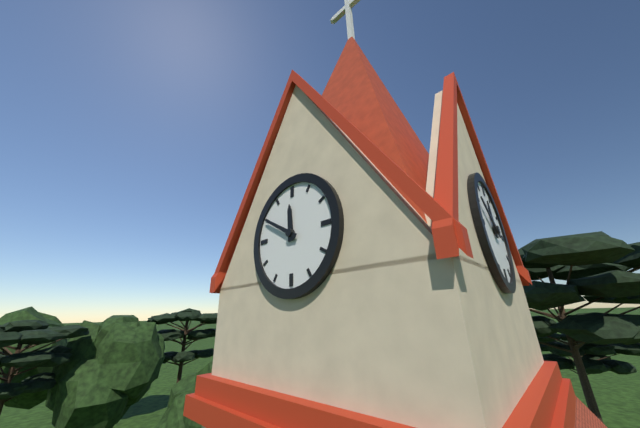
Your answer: 11 h 50 min
